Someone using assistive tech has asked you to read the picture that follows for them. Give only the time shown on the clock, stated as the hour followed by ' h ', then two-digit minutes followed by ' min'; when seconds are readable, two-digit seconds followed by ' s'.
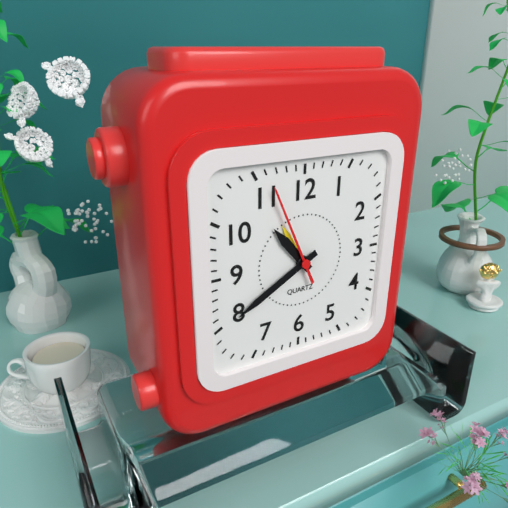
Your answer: 10 h 40 min 56 s
